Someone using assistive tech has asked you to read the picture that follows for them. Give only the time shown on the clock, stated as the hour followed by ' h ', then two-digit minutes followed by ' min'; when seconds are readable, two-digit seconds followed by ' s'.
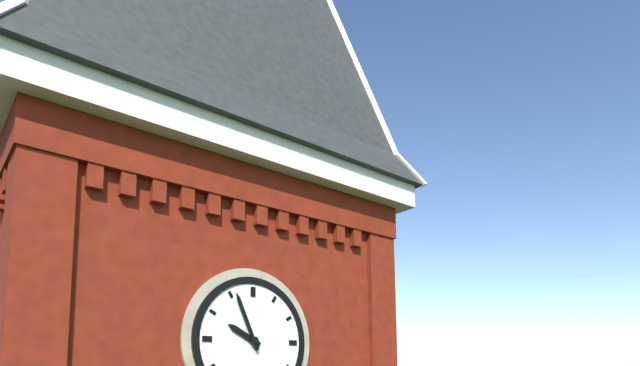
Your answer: 9 h 56 min
